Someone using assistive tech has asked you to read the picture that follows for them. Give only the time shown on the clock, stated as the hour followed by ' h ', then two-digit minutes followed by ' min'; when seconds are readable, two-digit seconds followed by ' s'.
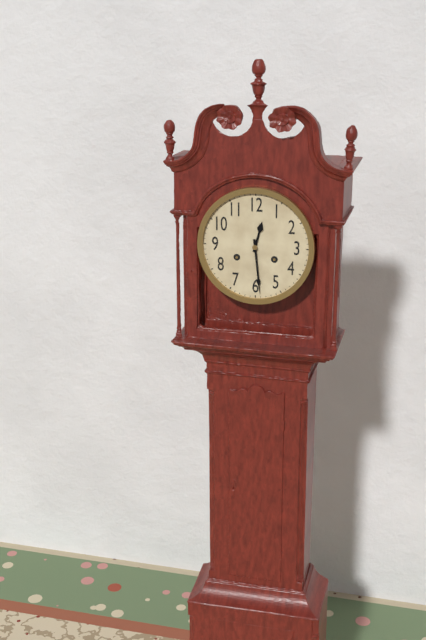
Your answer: 12 h 29 min
